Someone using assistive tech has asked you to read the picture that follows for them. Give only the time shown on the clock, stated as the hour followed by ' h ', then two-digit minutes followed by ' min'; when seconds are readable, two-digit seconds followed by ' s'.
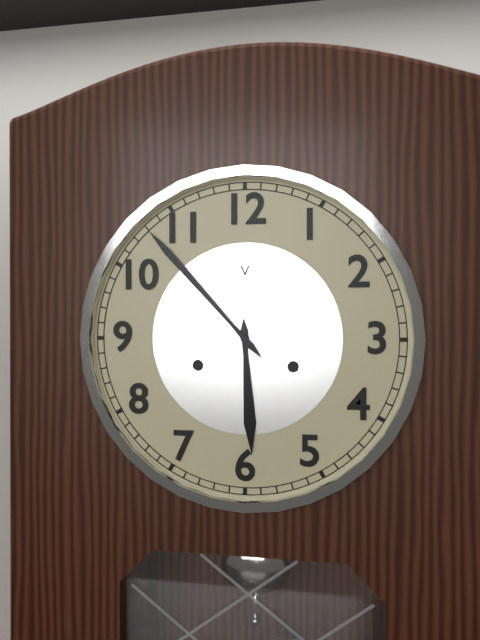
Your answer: 5 h 53 min
